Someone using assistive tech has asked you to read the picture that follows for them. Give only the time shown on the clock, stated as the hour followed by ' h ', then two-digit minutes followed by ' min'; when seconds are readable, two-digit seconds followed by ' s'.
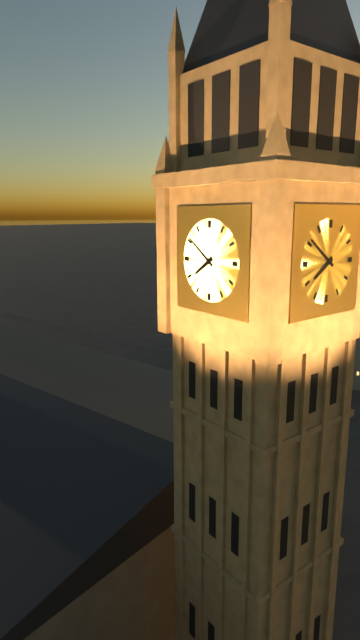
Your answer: 7 h 51 min
